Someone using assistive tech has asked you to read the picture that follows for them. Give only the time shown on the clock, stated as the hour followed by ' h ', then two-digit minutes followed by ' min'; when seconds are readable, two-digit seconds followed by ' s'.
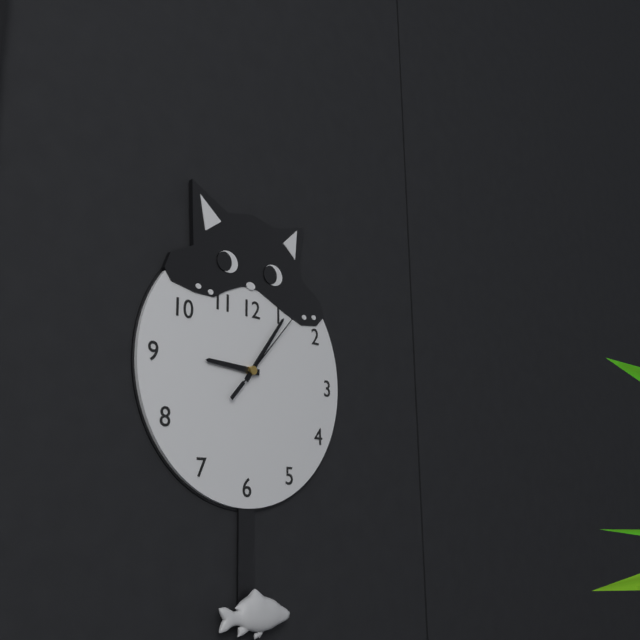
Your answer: 9 h 06 min 07 s
